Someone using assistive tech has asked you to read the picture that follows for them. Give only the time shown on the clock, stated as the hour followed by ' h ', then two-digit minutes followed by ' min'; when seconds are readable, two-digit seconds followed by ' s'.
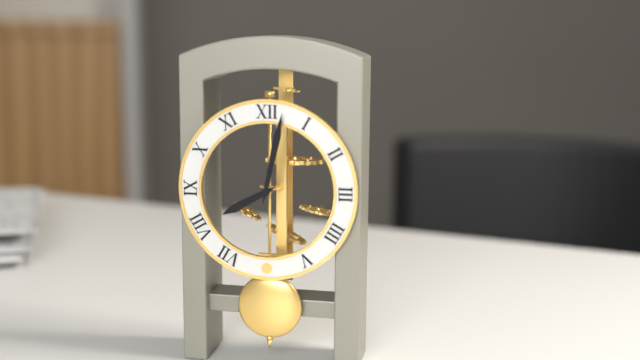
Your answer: 8 h 02 min
